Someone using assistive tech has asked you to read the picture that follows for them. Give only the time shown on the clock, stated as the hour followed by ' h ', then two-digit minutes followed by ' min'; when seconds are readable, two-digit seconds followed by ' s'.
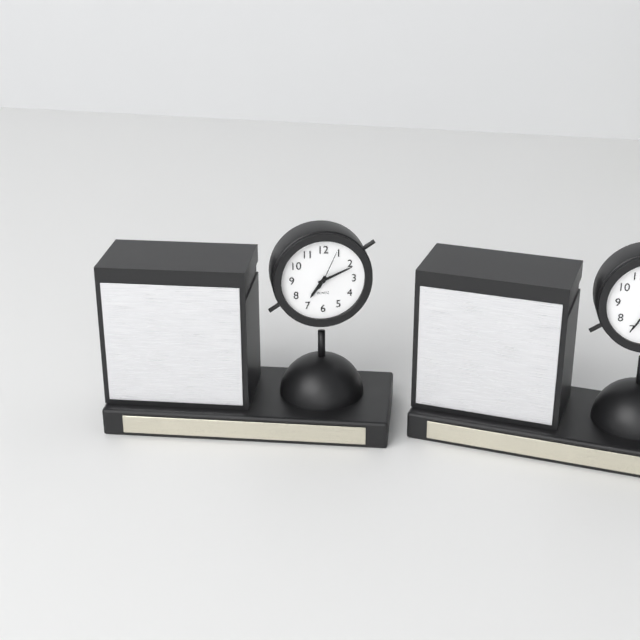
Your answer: 7 h 11 min
